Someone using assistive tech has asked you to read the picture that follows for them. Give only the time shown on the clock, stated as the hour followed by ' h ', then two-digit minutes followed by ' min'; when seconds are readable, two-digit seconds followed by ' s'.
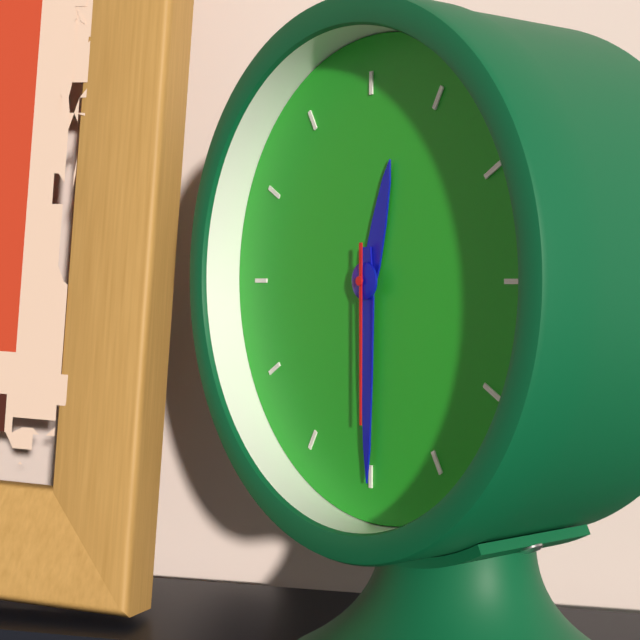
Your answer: 12 h 30 min 30 s
